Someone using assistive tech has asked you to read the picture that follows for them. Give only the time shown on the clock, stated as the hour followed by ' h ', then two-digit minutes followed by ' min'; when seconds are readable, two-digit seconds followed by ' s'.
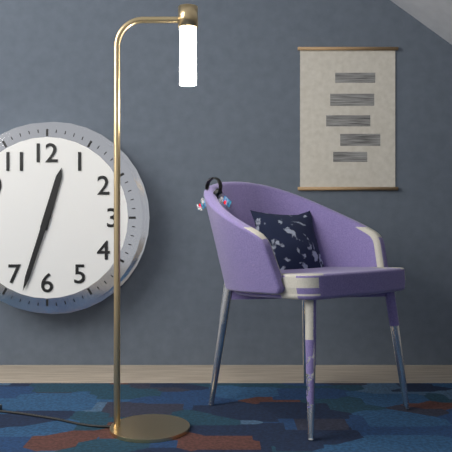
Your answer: 12 h 33 min
